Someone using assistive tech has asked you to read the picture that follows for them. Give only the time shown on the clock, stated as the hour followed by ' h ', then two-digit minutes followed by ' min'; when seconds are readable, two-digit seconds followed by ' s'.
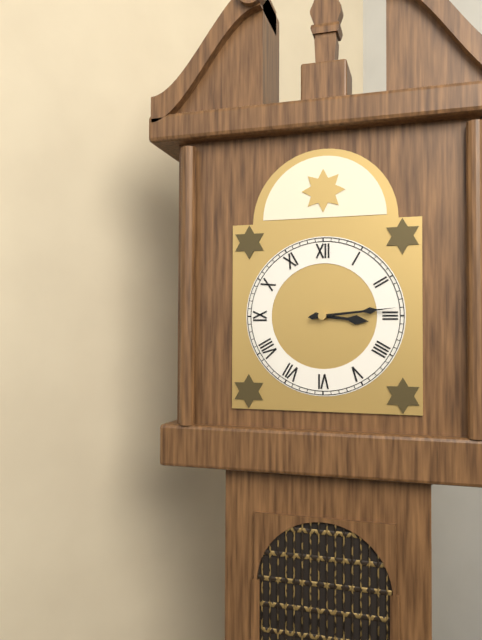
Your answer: 3 h 14 min
